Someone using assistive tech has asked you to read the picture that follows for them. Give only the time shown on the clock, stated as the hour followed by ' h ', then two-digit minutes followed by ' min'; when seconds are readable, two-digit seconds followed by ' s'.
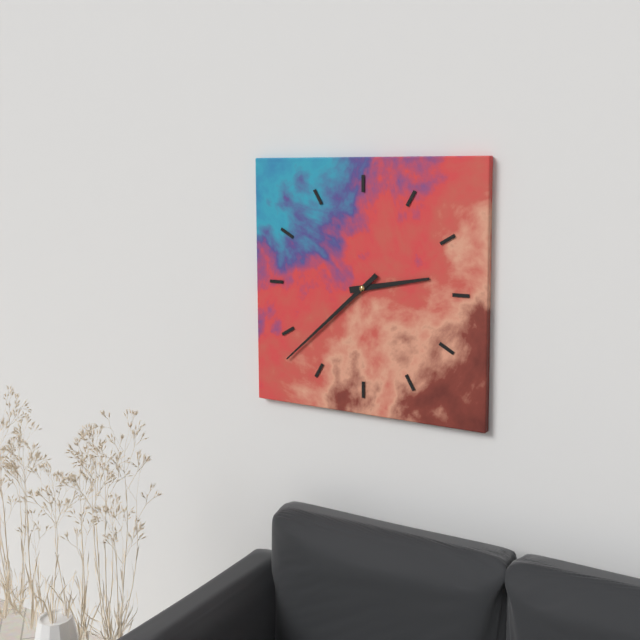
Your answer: 2 h 38 min
